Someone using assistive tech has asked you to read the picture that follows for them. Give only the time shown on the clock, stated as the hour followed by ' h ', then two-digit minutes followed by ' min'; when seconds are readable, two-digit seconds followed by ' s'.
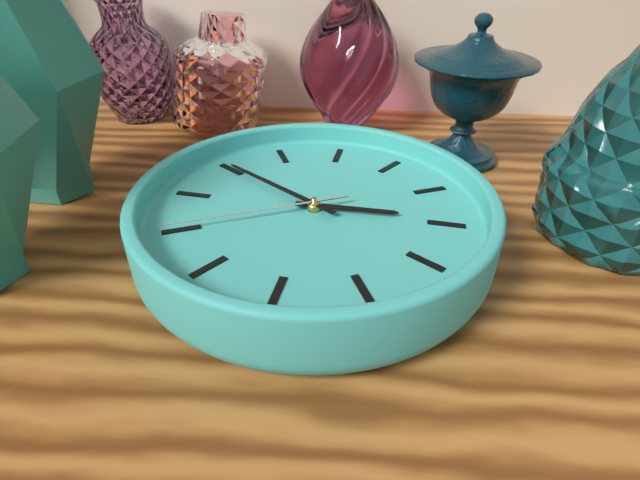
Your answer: 3 h 55 min 45 s
